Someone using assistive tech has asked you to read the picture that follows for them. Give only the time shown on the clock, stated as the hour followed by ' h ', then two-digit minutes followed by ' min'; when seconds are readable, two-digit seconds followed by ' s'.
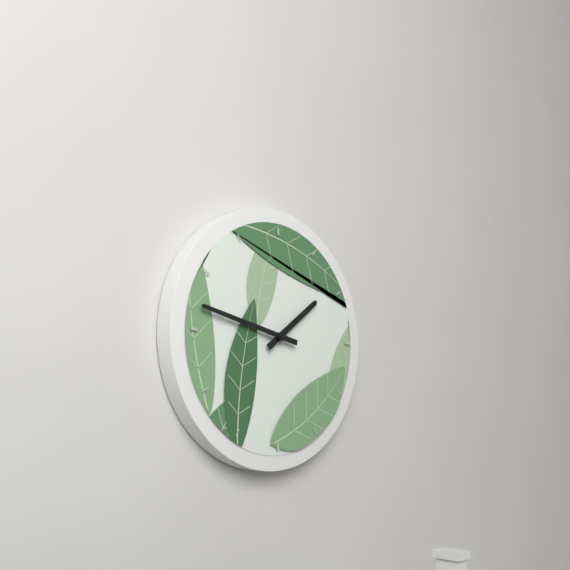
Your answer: 1 h 47 min
